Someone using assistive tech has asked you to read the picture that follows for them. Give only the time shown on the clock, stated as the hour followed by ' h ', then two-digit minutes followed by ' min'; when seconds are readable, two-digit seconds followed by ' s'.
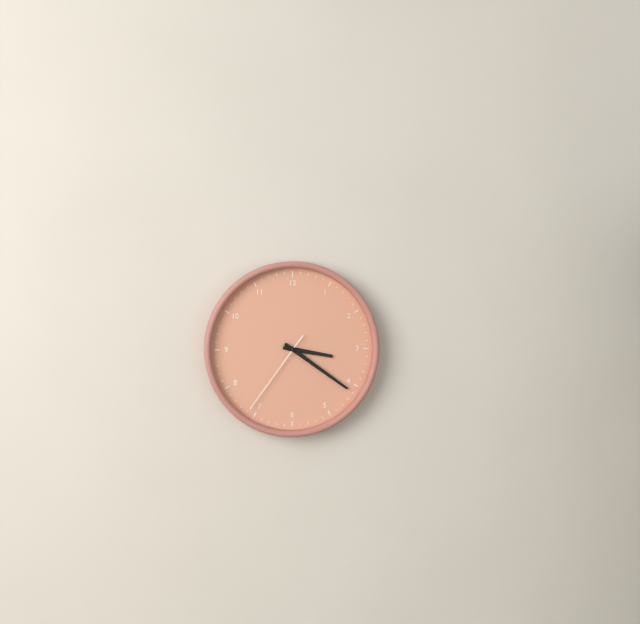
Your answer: 3 h 21 min 36 s
